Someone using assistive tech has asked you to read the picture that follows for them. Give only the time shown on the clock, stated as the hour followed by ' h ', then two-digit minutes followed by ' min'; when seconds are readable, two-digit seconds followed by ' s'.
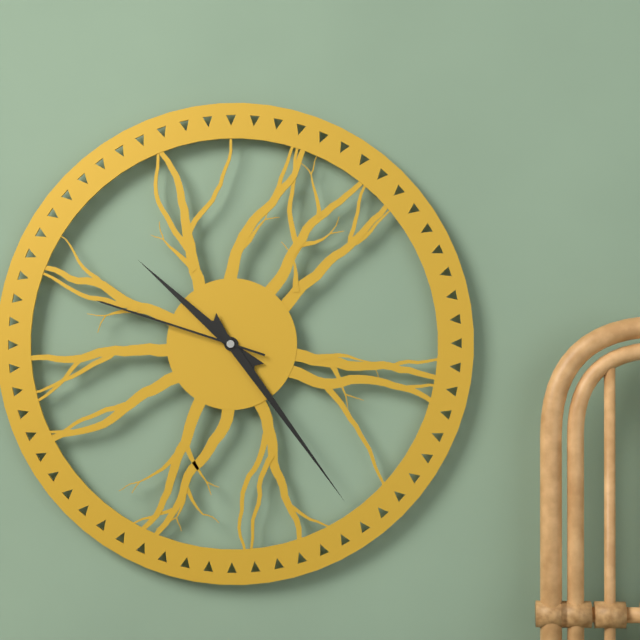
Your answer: 10 h 24 min 48 s
